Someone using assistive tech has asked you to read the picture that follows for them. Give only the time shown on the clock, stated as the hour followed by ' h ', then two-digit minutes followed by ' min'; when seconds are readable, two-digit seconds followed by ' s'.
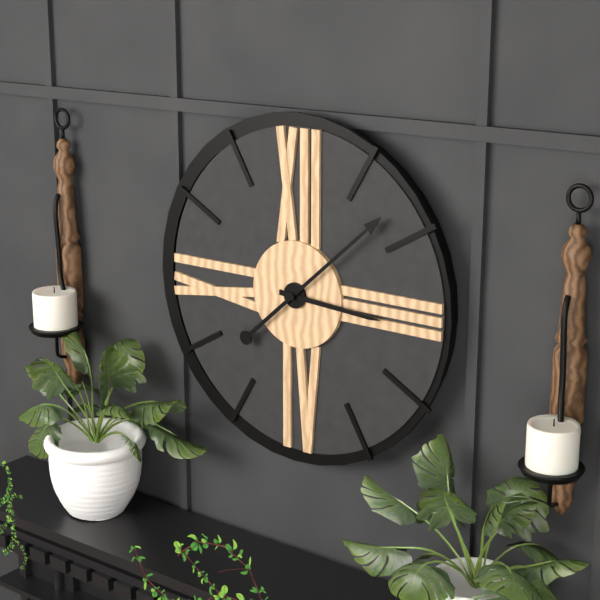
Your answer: 3 h 08 min
